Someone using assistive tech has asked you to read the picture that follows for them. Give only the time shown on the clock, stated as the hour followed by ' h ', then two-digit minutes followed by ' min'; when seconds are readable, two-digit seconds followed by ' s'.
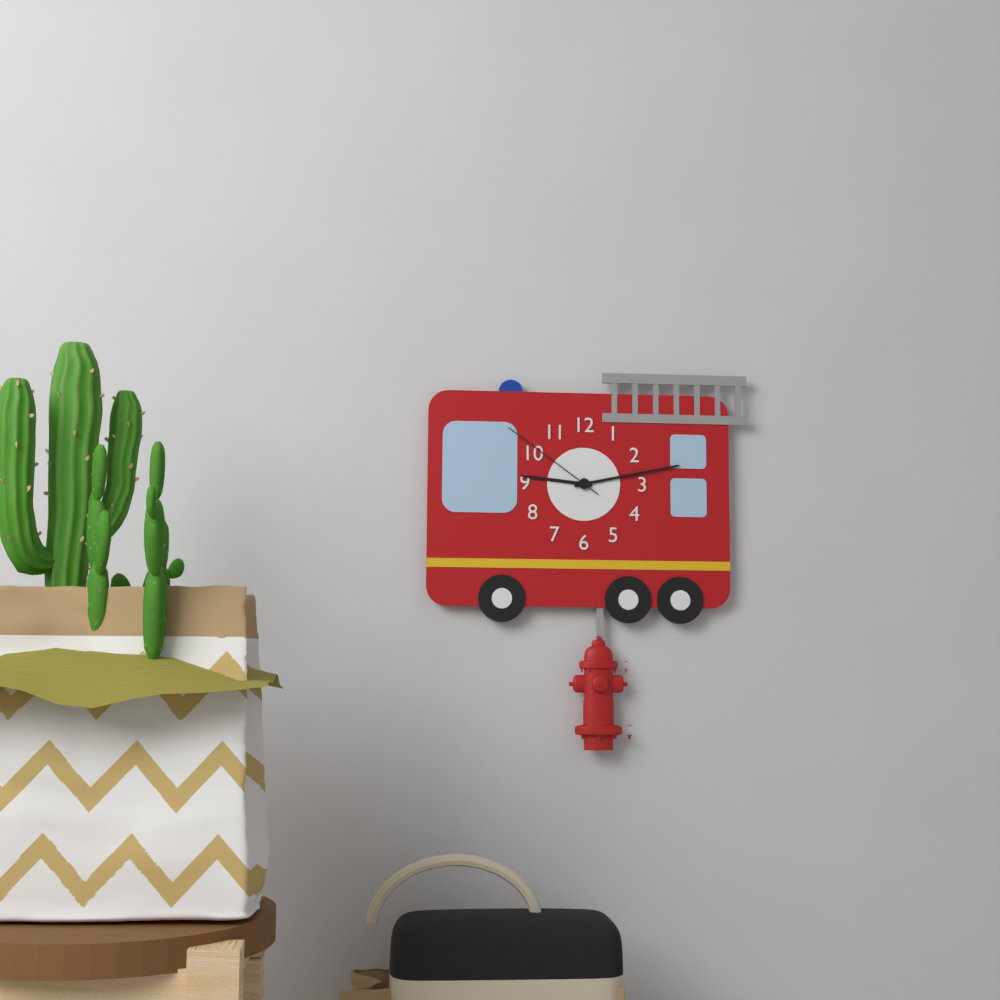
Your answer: 9 h 13 min 51 s
